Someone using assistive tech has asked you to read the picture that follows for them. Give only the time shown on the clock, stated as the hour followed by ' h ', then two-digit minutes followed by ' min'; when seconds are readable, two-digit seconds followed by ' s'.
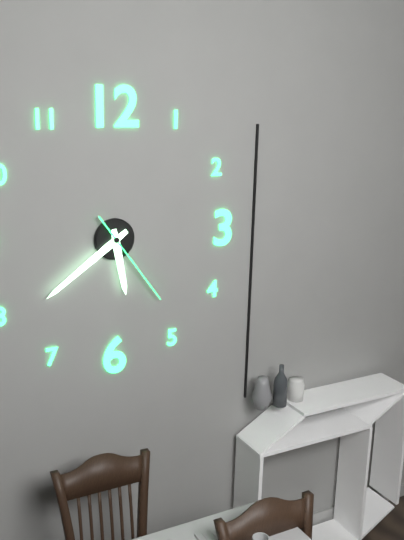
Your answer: 5 h 39 min 24 s
